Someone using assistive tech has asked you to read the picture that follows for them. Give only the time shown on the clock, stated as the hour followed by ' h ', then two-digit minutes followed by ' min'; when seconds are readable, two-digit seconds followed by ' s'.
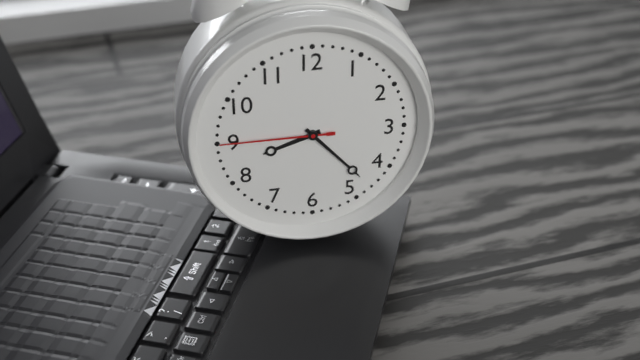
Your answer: 8 h 23 min 45 s
